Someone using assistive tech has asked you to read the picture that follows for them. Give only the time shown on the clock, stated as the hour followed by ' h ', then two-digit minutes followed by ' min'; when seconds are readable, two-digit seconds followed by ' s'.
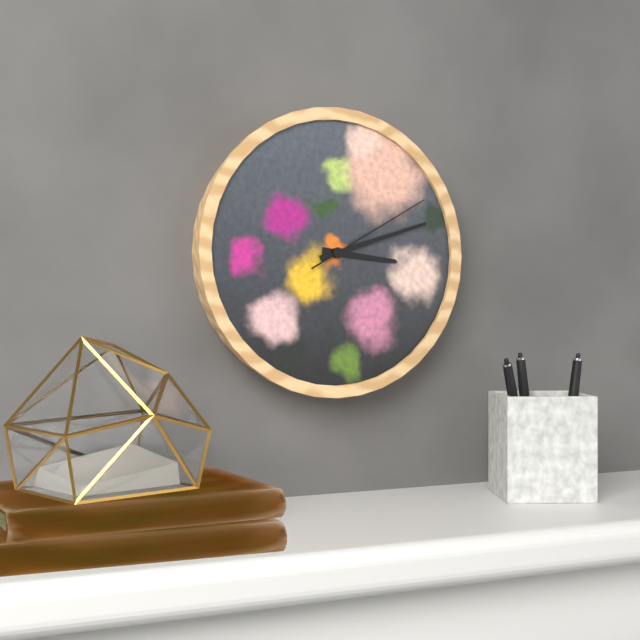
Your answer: 3 h 12 min 10 s
